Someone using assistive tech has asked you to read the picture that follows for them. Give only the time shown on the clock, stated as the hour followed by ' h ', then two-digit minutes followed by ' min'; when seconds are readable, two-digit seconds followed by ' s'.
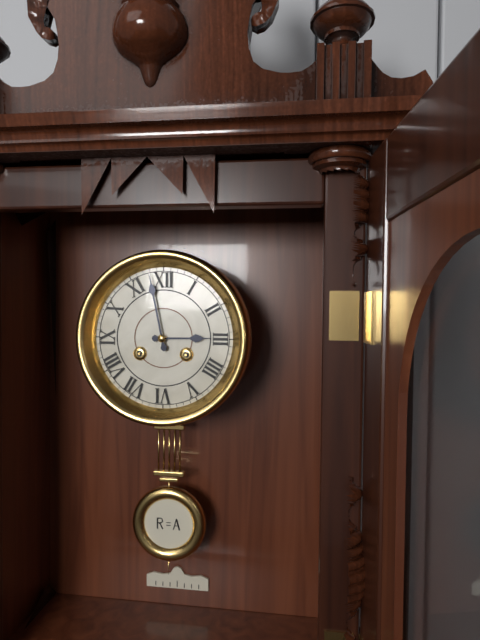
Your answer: 2 h 58 min
